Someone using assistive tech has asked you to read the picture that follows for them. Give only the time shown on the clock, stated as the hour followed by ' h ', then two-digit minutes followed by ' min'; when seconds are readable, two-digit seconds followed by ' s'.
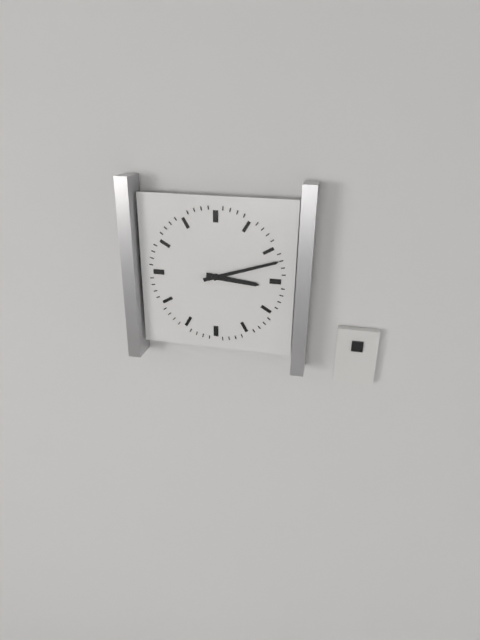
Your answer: 3 h 12 min
